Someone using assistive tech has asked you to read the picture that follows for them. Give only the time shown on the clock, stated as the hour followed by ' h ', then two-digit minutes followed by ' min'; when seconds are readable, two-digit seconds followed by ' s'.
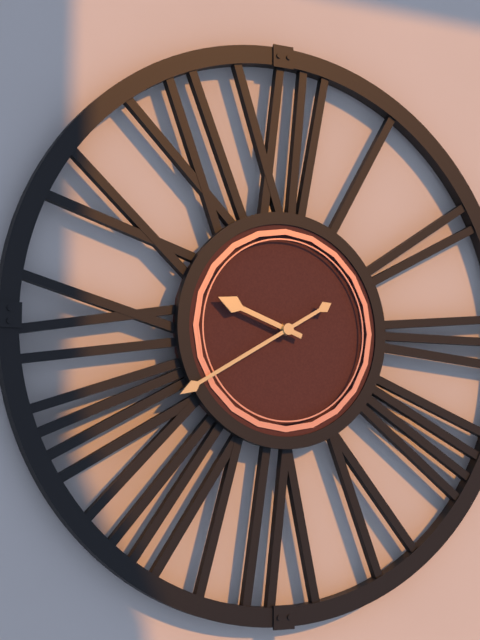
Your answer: 9 h 40 min
